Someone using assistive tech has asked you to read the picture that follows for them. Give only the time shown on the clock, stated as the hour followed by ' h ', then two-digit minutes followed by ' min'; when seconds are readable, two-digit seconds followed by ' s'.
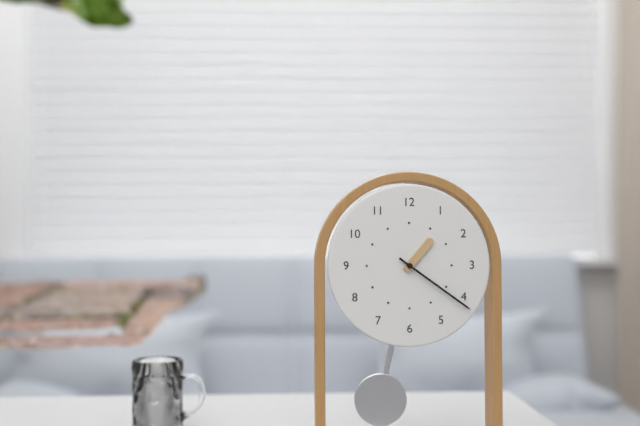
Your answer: 1 h 21 min
